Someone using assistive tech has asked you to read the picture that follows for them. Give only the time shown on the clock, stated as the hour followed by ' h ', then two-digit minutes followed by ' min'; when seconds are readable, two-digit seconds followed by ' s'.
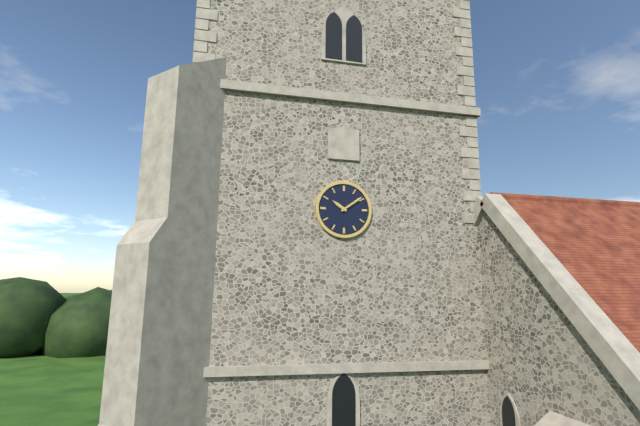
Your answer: 10 h 09 min
